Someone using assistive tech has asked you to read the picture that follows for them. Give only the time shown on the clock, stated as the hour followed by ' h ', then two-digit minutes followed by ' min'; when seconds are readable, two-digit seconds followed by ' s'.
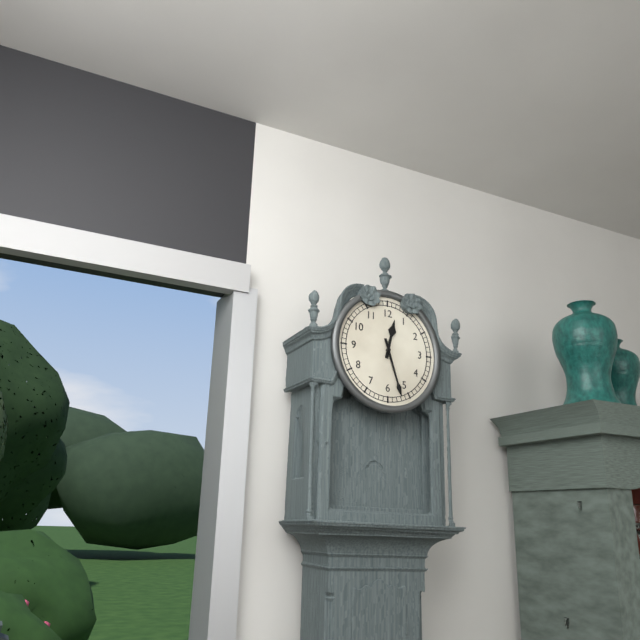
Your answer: 12 h 27 min
